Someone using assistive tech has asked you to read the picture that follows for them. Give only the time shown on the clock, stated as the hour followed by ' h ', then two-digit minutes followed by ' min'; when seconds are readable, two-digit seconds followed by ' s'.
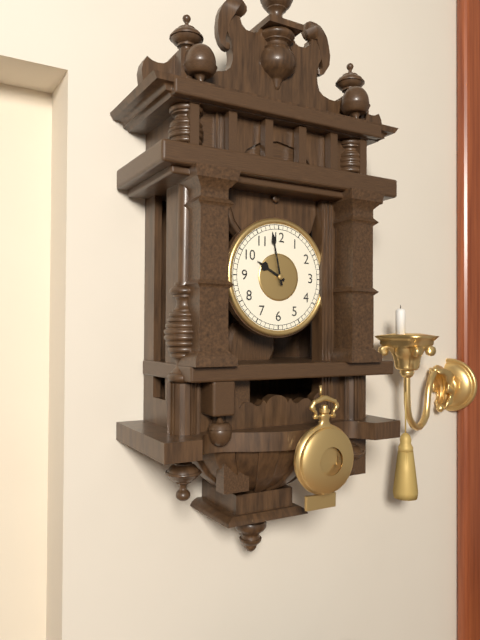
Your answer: 9 h 58 min
